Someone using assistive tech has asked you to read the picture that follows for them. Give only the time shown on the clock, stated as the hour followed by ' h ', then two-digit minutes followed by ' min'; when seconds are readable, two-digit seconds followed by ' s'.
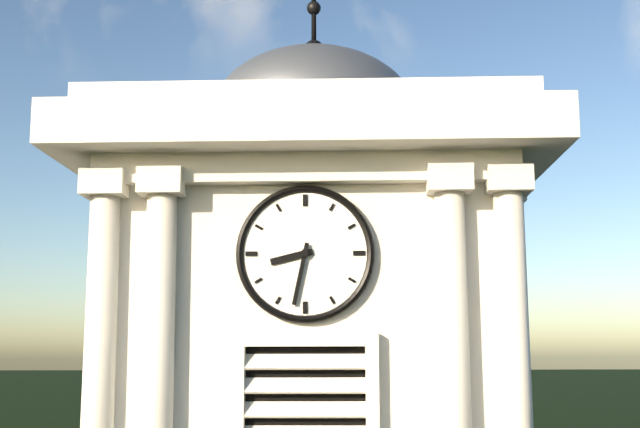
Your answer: 8 h 32 min
